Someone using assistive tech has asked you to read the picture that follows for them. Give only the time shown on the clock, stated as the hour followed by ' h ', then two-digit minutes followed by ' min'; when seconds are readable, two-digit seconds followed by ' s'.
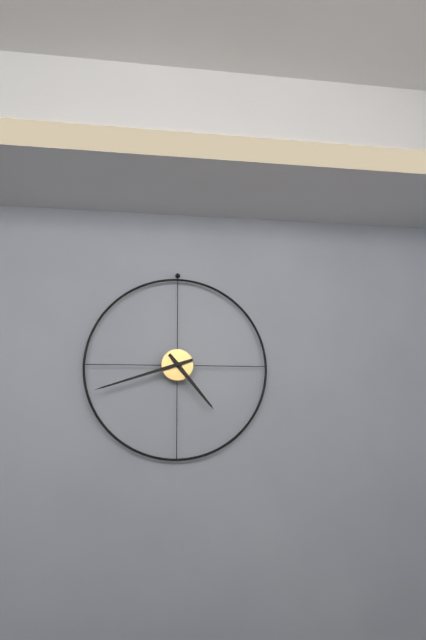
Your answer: 4 h 42 min
